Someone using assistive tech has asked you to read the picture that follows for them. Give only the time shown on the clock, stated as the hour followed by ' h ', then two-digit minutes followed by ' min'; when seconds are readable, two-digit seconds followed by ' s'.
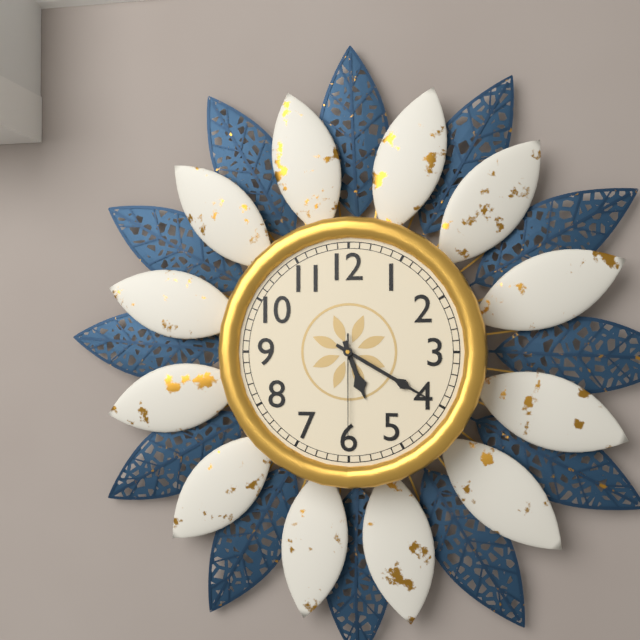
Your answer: 5 h 20 min 30 s
